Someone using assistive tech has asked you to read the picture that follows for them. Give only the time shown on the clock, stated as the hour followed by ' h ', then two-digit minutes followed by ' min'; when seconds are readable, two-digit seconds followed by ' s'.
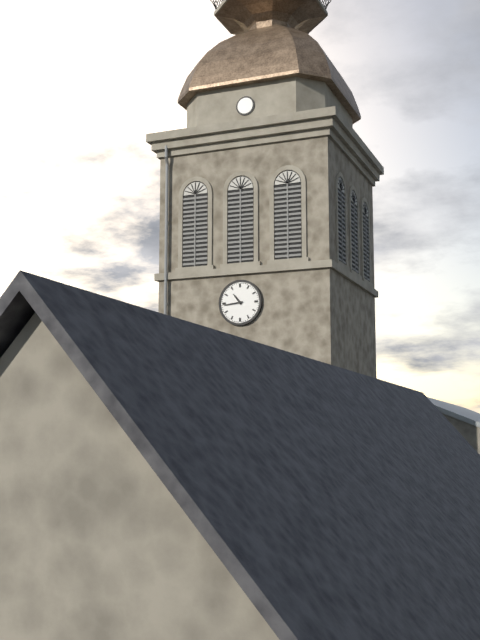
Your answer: 10 h 44 min
